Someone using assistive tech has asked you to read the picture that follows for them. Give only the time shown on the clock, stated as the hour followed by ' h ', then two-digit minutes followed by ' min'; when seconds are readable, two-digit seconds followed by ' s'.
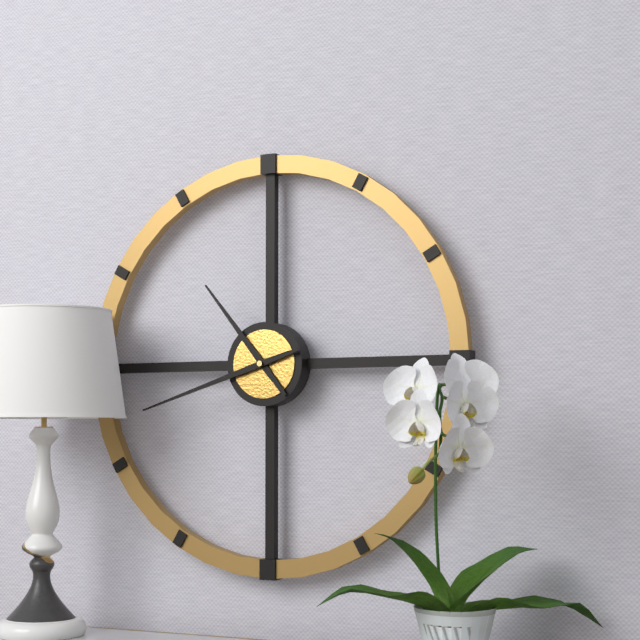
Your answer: 10 h 42 min
